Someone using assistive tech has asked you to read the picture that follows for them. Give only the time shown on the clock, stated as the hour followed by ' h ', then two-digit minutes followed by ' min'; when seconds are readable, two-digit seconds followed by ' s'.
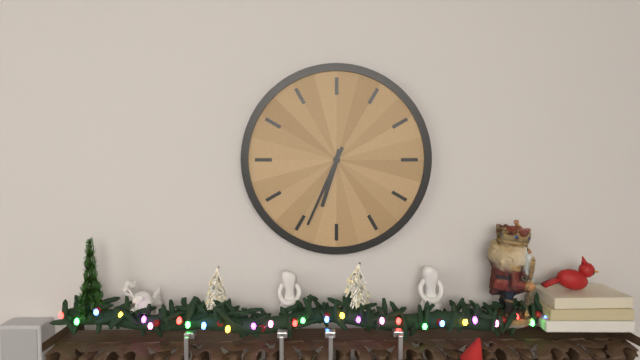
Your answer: 6 h 34 min
